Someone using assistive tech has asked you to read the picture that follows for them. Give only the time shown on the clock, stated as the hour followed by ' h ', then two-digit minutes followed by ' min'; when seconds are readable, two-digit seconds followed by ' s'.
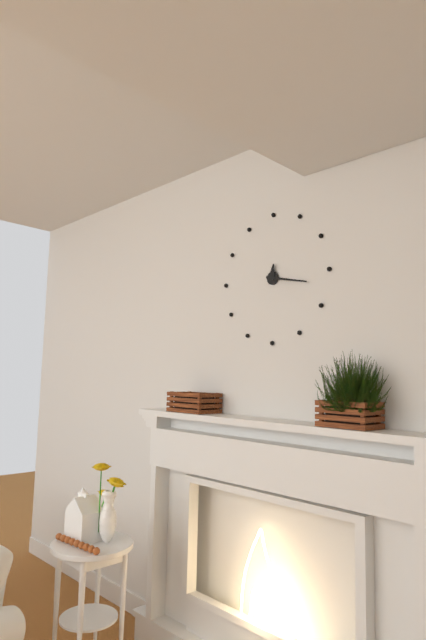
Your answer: 12 h 17 min
